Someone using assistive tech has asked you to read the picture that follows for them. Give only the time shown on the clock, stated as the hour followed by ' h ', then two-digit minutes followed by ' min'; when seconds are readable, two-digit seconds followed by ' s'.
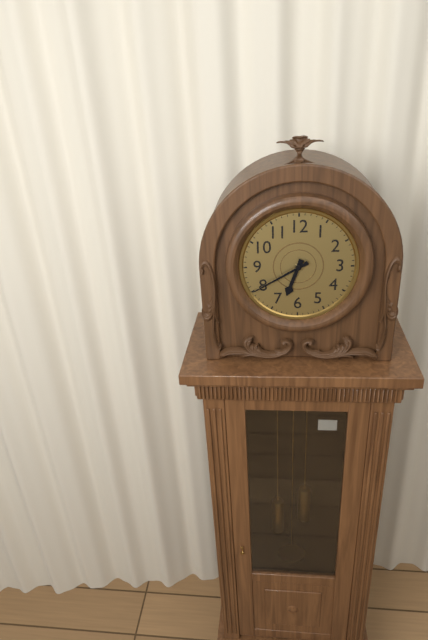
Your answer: 6 h 40 min
